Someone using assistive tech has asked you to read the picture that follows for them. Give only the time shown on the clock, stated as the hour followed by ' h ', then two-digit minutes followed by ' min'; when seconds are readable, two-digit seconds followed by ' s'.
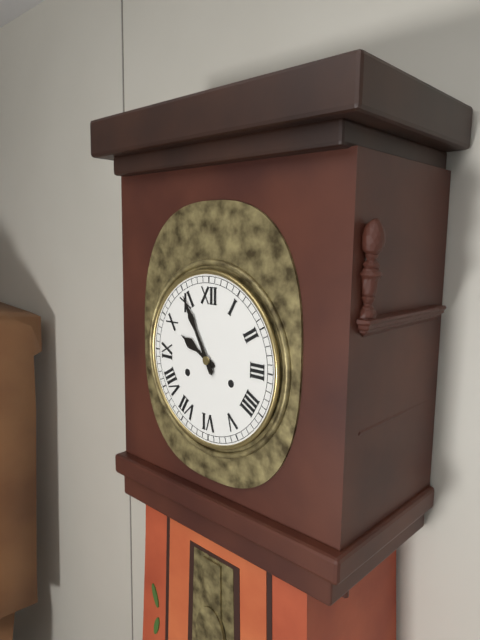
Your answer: 9 h 55 min
